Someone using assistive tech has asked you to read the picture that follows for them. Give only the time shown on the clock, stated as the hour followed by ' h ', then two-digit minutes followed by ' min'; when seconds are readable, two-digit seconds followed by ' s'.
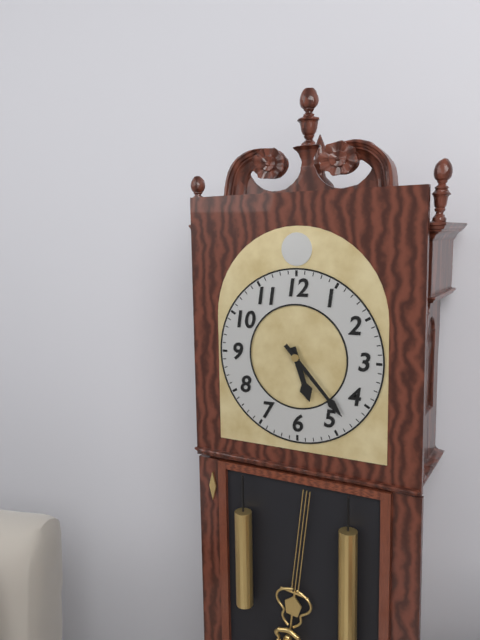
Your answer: 5 h 23 min
